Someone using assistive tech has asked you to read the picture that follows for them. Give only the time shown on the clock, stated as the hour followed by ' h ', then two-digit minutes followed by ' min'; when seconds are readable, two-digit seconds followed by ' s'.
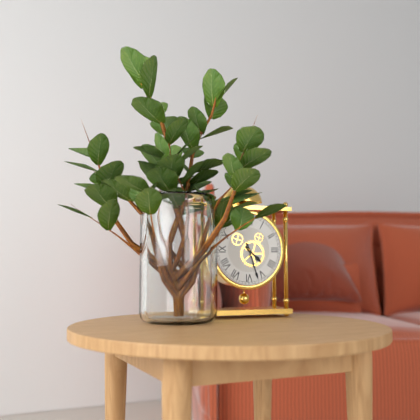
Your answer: 4 h 27 min
